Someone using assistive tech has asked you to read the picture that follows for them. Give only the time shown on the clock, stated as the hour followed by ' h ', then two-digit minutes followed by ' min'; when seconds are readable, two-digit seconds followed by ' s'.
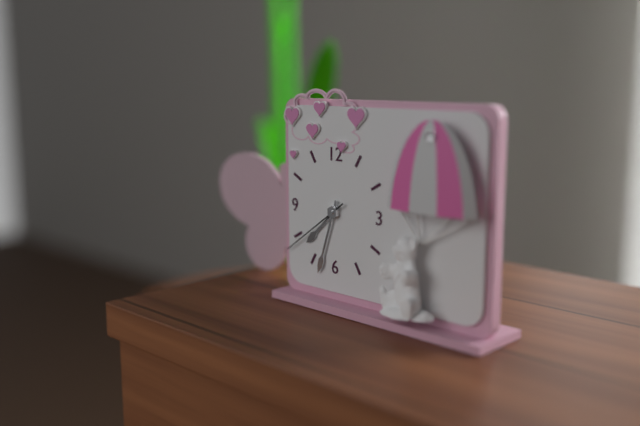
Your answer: 7 h 33 min 39 s
